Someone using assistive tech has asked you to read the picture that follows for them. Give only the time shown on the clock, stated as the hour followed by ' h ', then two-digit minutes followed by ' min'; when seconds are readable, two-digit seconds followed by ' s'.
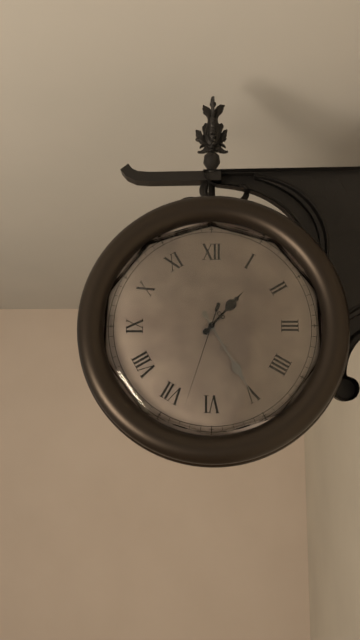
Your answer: 1 h 25 min 33 s
